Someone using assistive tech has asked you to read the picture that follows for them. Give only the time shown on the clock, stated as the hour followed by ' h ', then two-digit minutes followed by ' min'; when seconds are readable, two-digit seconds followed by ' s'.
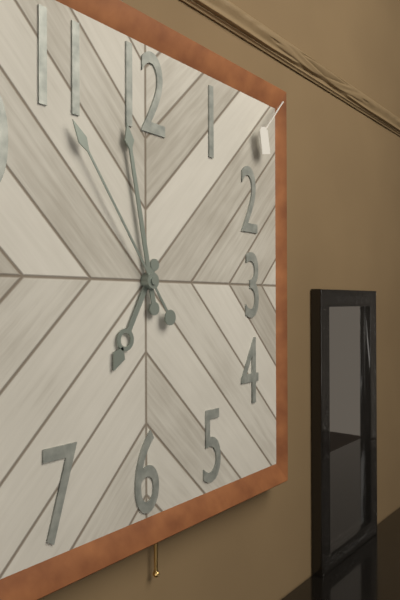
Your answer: 6 h 58 min 54 s
